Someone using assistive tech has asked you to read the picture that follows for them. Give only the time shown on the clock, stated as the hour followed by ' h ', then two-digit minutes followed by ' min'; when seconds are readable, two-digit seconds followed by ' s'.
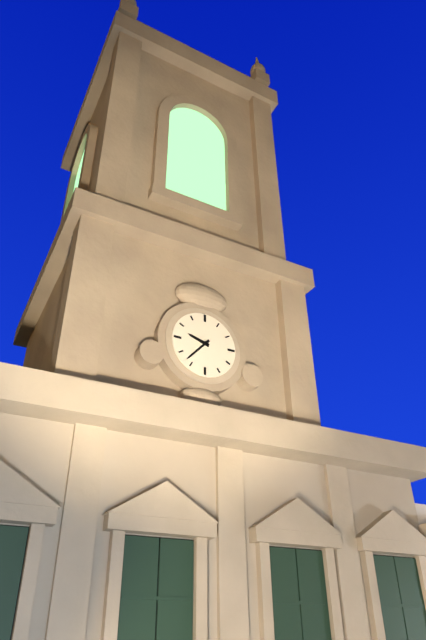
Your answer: 9 h 37 min
